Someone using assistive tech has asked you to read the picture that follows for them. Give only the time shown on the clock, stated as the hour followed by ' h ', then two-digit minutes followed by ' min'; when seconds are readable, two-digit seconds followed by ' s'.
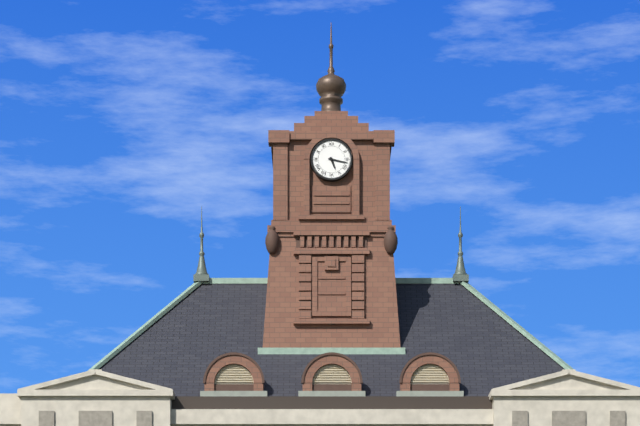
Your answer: 5 h 17 min
